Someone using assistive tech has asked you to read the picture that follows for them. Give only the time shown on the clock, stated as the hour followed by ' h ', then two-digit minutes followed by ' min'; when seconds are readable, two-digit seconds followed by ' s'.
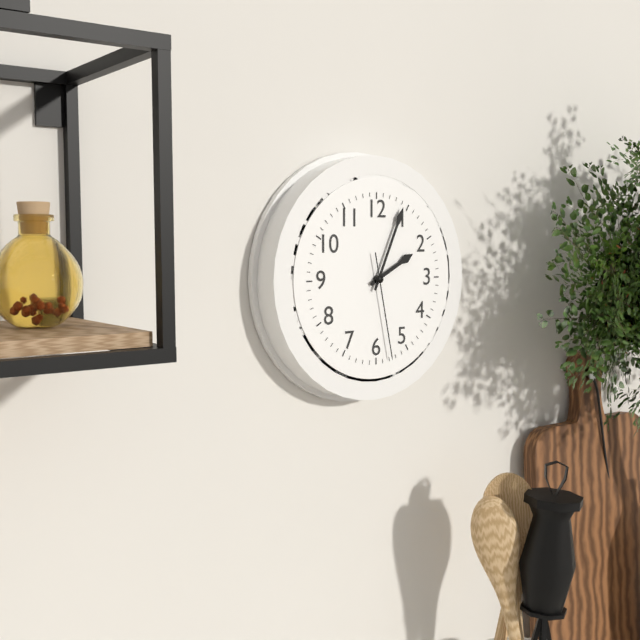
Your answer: 2 h 04 min 28 s
